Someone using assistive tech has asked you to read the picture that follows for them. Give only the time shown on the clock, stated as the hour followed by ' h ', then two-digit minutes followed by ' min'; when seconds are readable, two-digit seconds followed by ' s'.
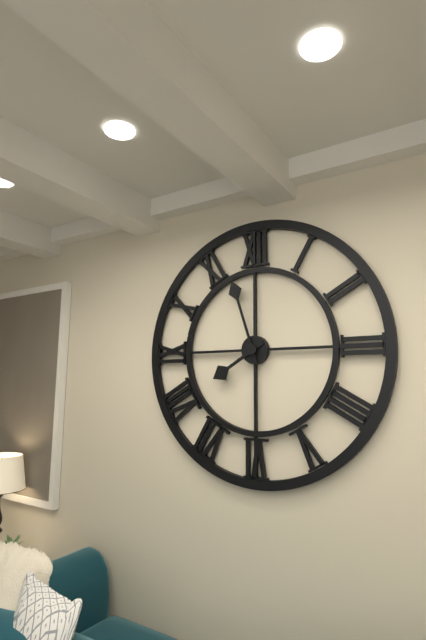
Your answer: 7 h 57 min
